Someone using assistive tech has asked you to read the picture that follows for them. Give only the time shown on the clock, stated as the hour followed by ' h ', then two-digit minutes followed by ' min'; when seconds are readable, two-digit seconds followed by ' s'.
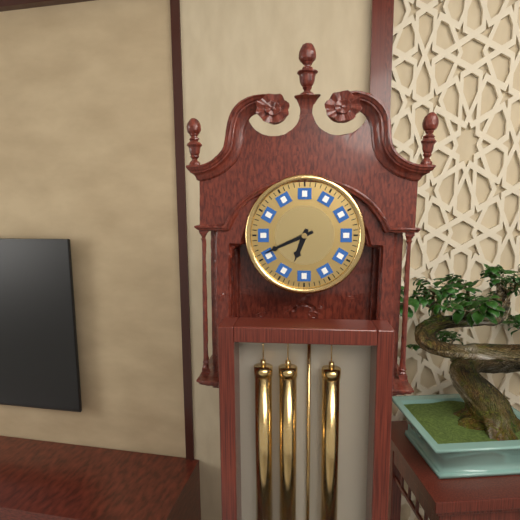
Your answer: 6 h 41 min
